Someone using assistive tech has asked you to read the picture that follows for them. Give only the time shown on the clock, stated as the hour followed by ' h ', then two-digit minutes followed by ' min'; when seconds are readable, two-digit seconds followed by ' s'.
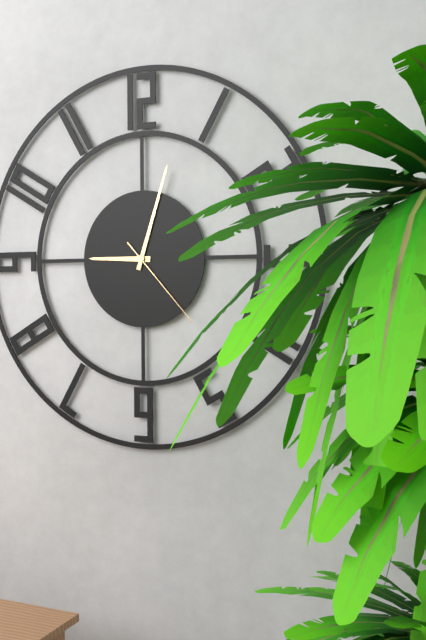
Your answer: 9 h 03 min 23 s
